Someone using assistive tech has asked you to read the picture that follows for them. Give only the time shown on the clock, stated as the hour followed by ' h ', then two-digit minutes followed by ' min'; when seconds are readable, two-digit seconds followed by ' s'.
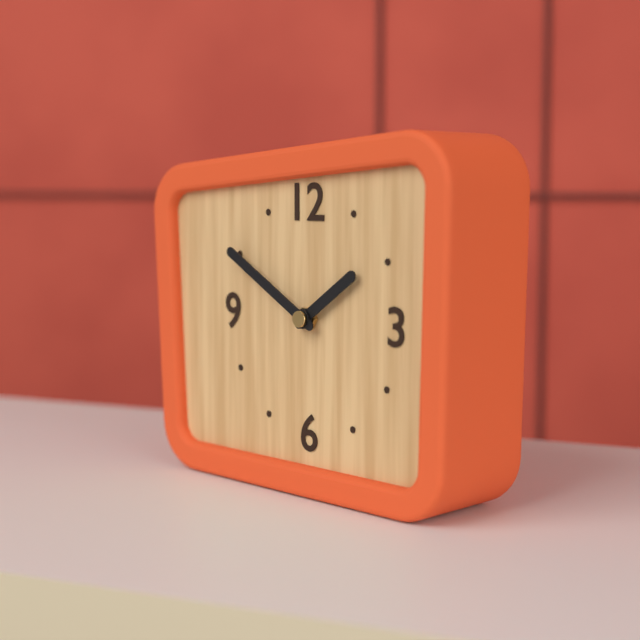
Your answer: 1 h 50 min
